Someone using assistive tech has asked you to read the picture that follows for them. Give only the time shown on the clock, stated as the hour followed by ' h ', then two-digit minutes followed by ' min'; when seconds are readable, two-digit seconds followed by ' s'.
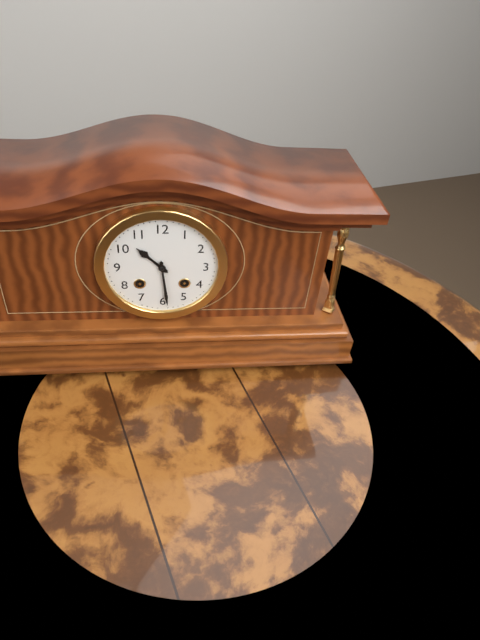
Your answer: 10 h 29 min
